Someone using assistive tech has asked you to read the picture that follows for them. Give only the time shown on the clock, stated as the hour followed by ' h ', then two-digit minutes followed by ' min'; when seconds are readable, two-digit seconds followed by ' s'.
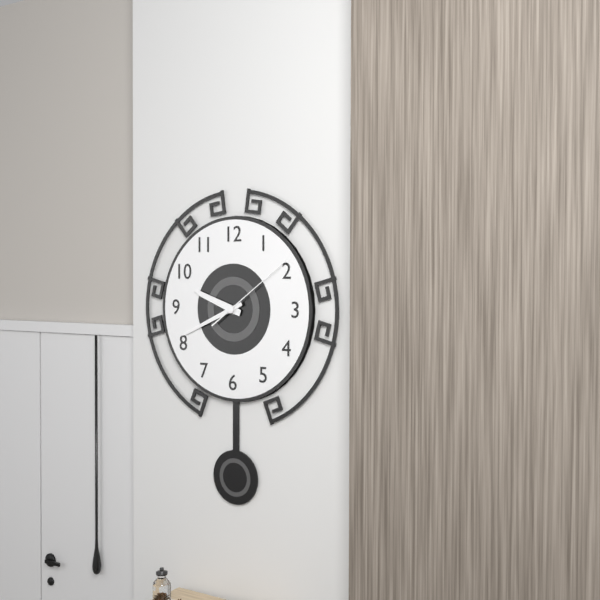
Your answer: 9 h 41 min 09 s
